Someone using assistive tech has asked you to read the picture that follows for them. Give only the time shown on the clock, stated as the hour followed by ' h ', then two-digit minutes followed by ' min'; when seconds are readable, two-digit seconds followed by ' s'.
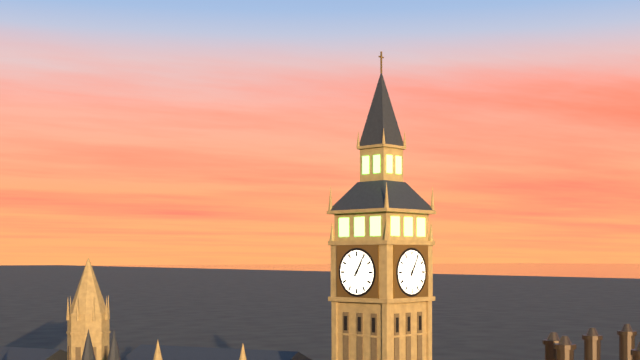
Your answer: 1 h 05 min
